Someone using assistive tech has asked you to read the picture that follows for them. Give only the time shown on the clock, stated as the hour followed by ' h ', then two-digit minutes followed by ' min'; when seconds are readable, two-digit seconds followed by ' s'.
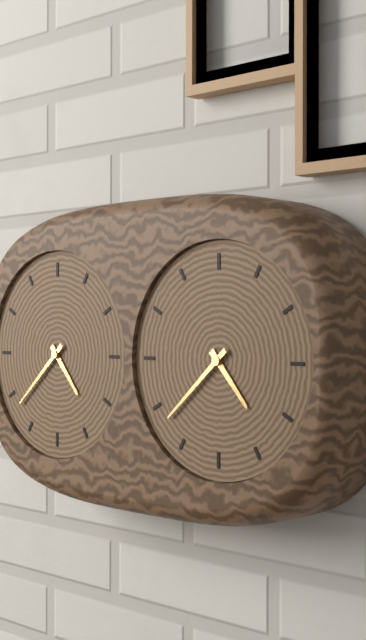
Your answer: 4 h 38 min
